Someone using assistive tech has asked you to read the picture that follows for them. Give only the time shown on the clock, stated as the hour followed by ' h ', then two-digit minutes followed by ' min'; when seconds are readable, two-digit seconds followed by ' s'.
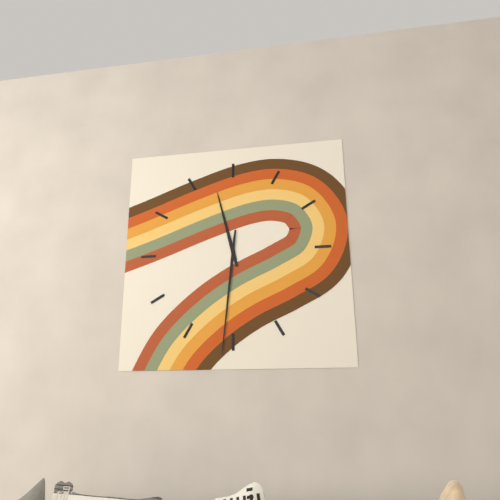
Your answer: 11 h 31 min
